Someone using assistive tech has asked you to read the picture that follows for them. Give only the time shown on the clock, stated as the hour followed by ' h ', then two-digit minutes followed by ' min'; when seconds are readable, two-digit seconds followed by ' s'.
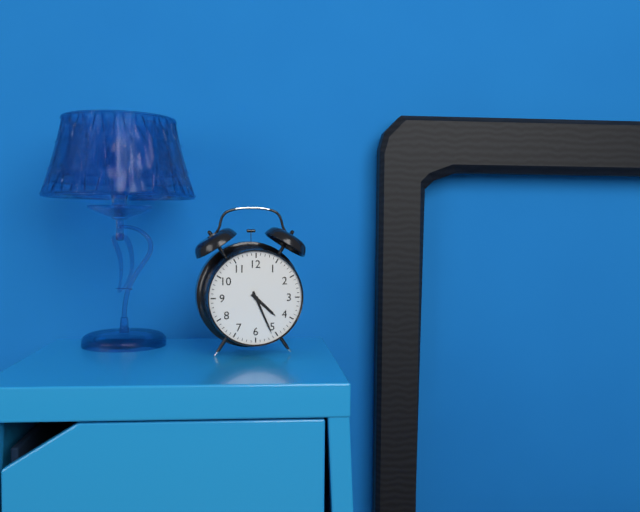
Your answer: 4 h 26 min
